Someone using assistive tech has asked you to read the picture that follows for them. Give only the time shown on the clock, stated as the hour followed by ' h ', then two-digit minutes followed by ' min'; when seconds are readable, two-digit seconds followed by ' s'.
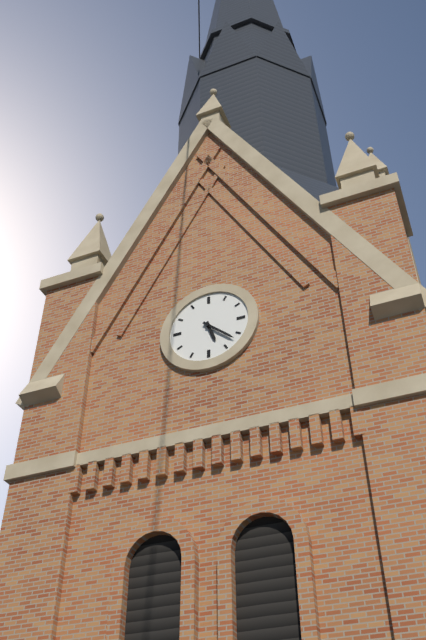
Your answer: 5 h 22 min
